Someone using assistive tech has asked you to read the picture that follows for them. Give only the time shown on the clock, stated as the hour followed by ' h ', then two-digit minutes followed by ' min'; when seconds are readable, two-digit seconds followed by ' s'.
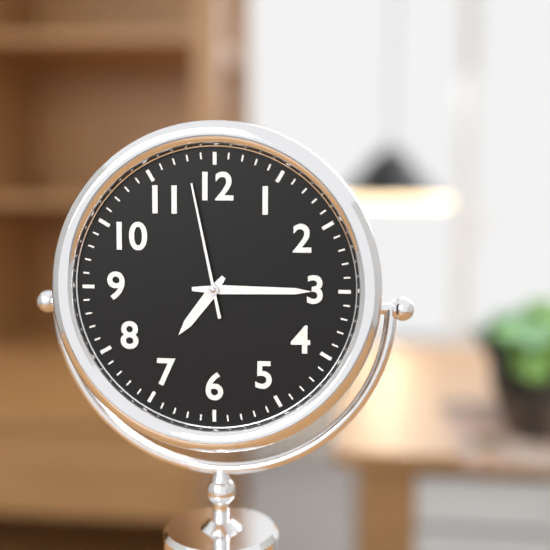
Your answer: 7 h 15 min 58 s
